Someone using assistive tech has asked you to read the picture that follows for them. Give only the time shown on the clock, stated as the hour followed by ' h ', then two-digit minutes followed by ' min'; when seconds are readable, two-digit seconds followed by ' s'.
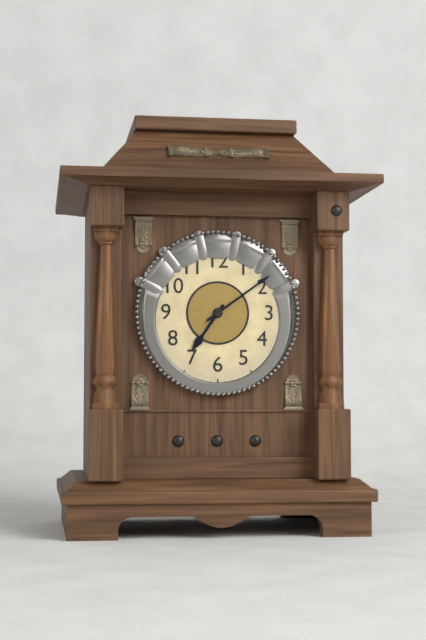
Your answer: 7 h 09 min
